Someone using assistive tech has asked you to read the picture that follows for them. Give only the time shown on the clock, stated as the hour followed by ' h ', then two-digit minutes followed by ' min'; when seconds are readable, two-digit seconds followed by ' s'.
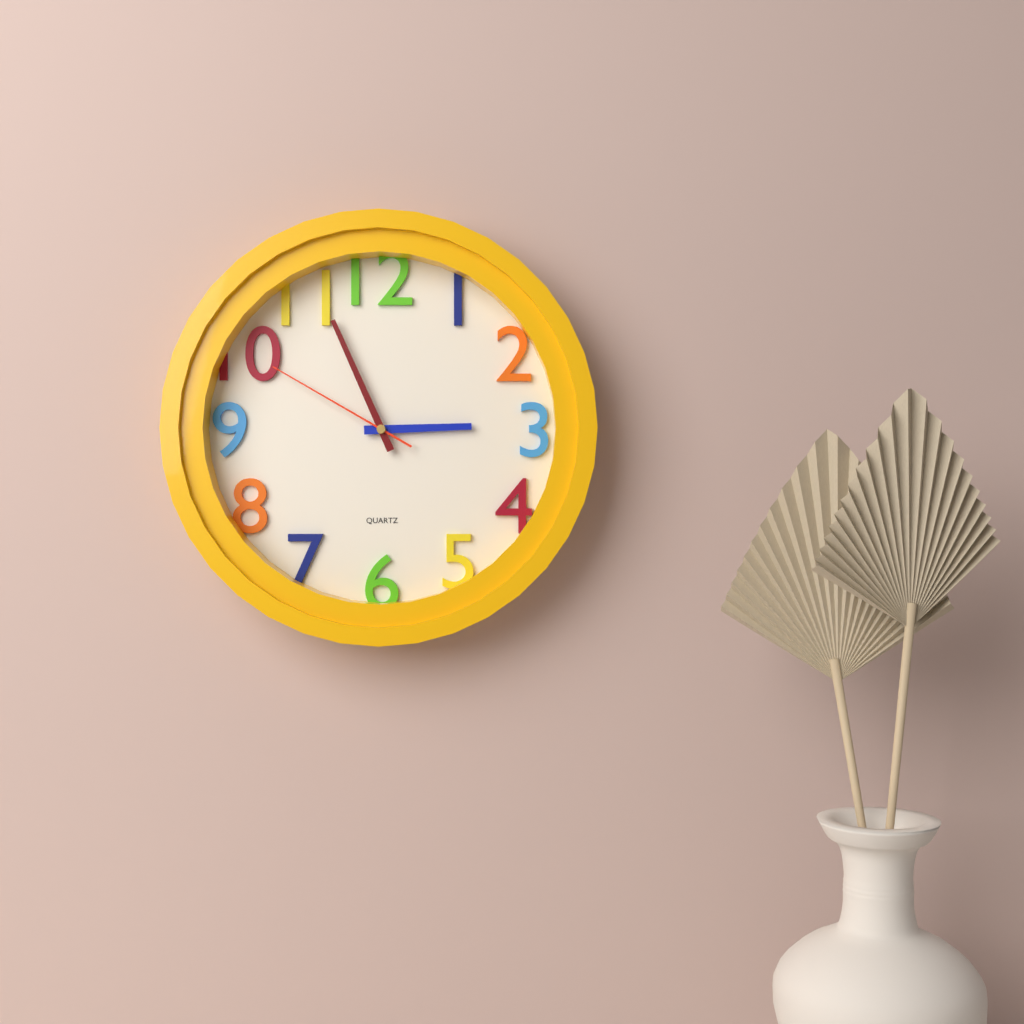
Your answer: 2 h 56 min 50 s
